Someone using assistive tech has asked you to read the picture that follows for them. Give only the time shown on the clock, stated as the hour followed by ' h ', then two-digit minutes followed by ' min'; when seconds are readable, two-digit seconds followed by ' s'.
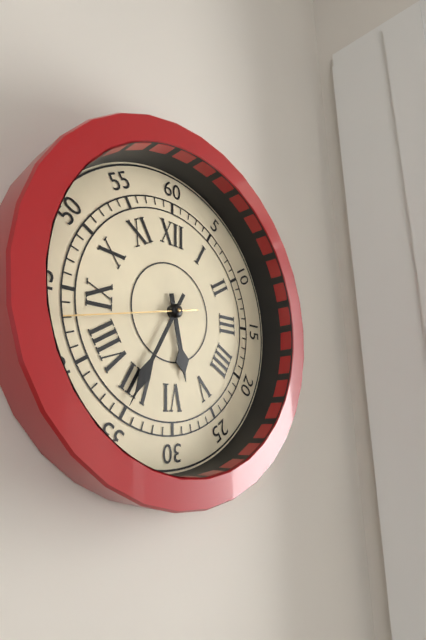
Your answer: 5 h 35 min 43 s
